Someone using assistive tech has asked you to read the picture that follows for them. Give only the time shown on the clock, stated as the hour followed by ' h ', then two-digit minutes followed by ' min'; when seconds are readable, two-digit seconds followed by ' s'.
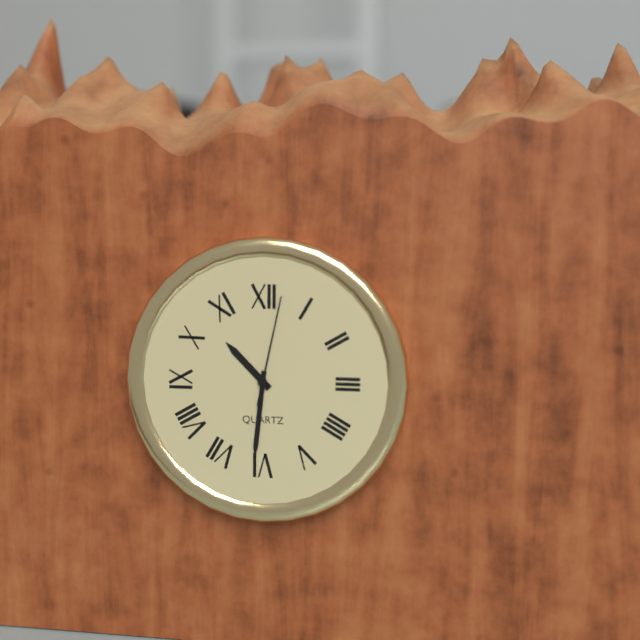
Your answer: 10 h 31 min 02 s
